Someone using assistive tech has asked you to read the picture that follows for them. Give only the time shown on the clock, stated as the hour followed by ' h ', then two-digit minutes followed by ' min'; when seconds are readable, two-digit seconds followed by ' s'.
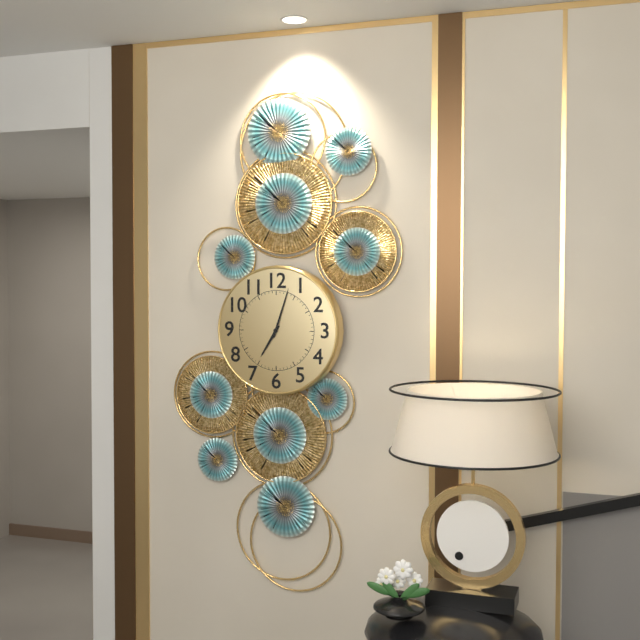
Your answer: 7 h 03 min
